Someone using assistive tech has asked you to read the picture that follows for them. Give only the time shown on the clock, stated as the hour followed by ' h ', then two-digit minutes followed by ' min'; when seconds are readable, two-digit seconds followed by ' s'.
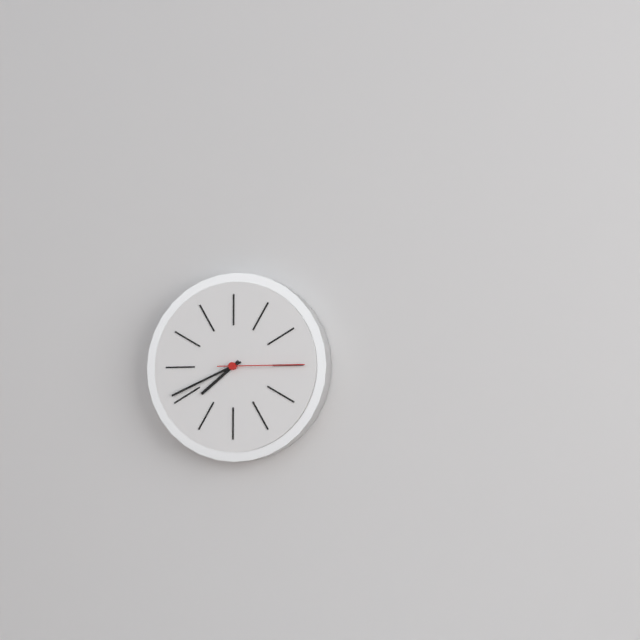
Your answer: 7 h 41 min 15 s
